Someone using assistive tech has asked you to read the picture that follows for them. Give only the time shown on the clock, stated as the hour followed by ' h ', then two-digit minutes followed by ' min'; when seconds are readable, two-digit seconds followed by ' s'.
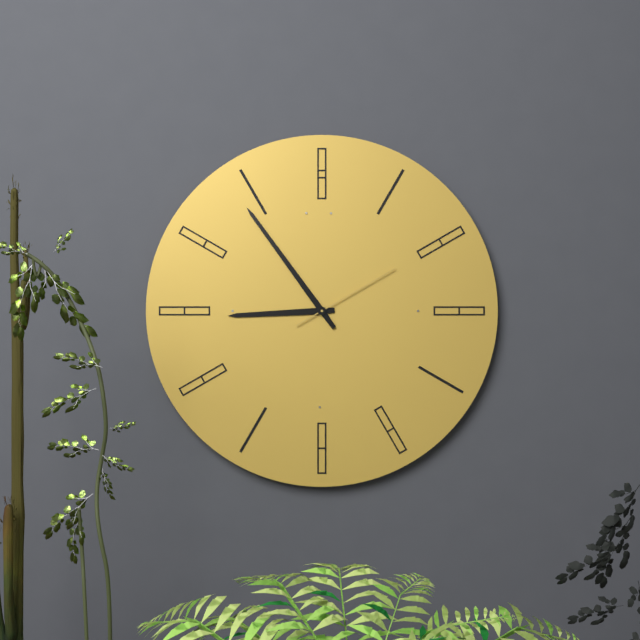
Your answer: 8 h 54 min 10 s
